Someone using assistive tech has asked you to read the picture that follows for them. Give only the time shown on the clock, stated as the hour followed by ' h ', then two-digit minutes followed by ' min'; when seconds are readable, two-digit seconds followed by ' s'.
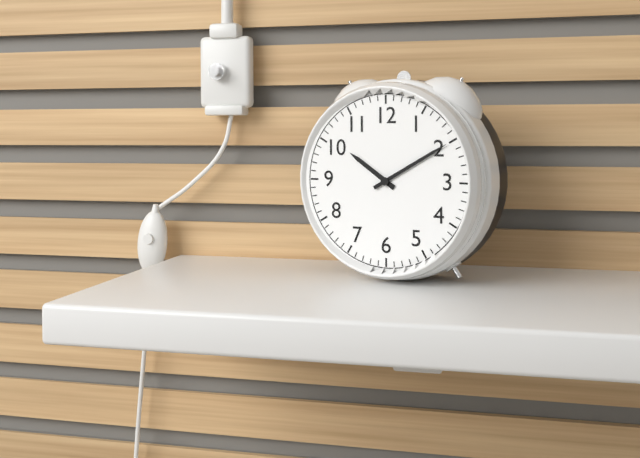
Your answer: 10 h 10 min
